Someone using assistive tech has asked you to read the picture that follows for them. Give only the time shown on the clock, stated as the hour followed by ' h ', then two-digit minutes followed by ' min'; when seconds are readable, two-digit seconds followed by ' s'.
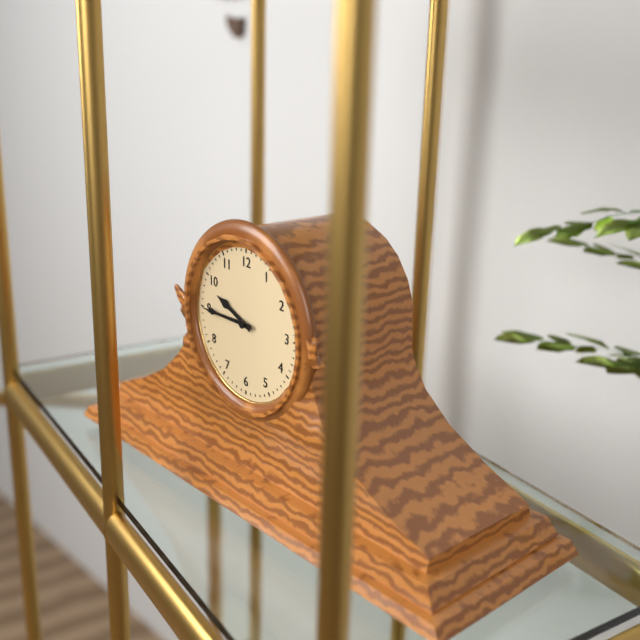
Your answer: 9 h 45 min
